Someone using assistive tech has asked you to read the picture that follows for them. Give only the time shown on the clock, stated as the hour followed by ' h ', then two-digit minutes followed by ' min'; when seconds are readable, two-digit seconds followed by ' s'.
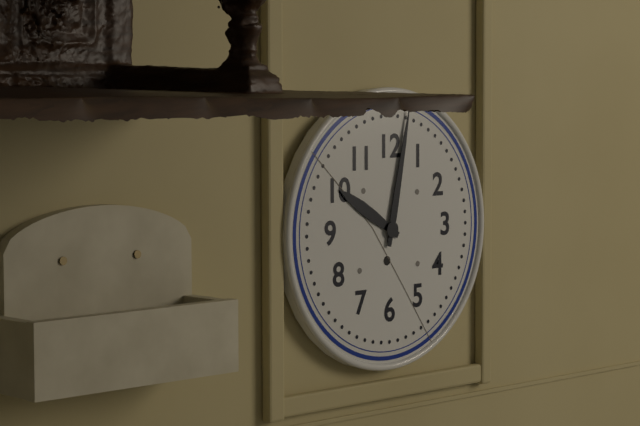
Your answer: 10 h 02 min
